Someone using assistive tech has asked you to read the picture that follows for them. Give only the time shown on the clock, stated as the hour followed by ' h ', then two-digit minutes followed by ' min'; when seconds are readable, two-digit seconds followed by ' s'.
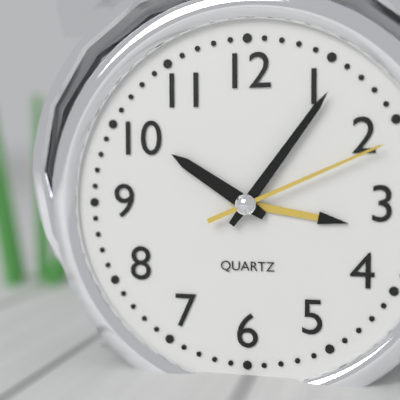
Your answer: 10 h 06 min 11 s
